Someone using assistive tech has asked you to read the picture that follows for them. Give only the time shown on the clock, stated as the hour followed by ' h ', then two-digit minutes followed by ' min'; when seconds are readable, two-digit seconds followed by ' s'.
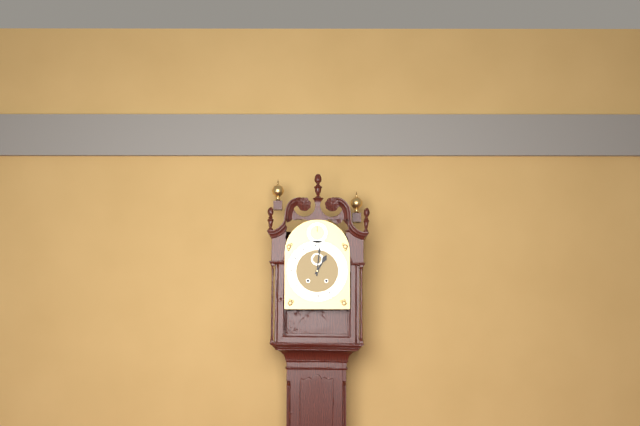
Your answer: 1 h 01 min
